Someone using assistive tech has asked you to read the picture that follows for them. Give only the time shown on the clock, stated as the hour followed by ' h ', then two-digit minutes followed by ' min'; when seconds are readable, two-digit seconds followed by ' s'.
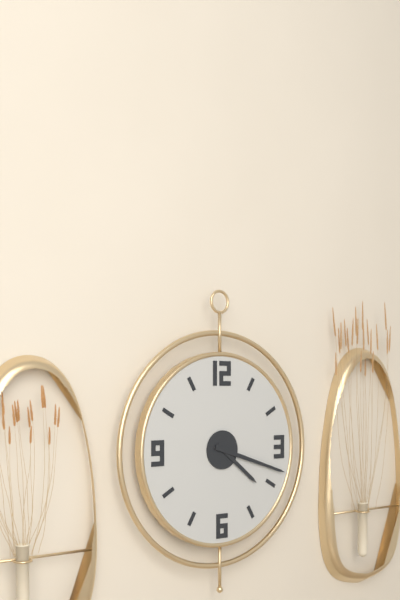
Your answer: 4 h 18 min
